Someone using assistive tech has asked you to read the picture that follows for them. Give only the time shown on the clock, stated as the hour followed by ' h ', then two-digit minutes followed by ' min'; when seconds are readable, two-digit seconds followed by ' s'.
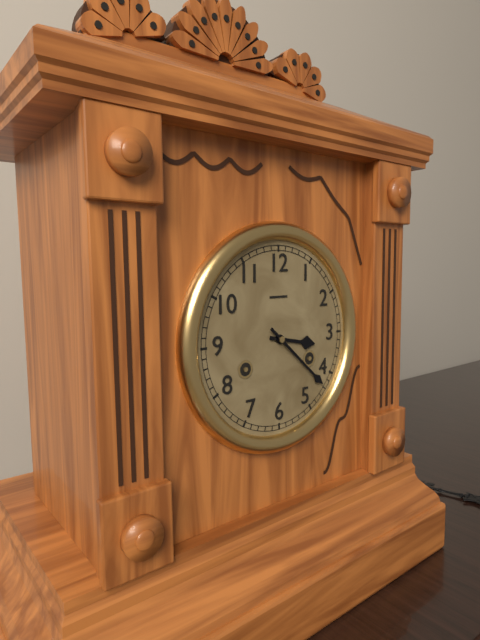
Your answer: 3 h 22 min
